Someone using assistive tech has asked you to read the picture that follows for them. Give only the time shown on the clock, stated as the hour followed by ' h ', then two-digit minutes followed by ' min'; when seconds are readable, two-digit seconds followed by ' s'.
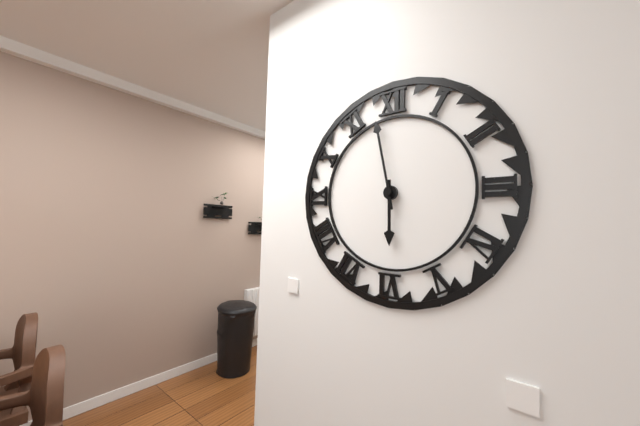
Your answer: 5 h 58 min
